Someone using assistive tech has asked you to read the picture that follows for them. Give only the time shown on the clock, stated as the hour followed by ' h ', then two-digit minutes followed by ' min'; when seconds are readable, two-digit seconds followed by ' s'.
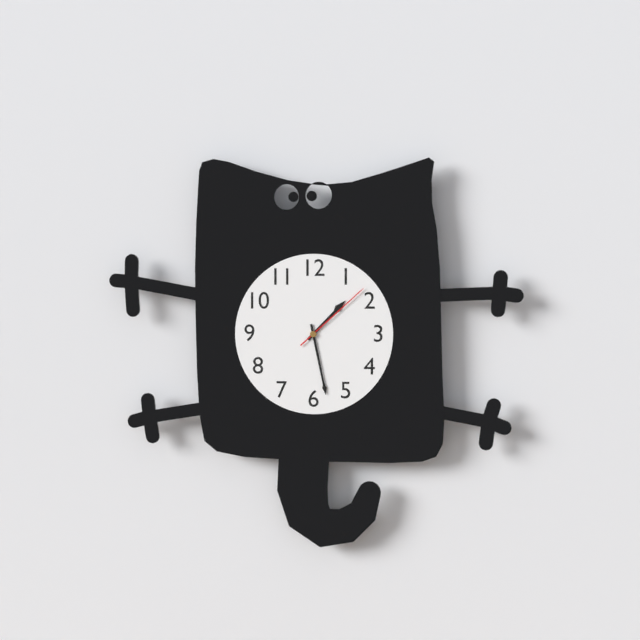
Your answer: 1 h 28 min 08 s
